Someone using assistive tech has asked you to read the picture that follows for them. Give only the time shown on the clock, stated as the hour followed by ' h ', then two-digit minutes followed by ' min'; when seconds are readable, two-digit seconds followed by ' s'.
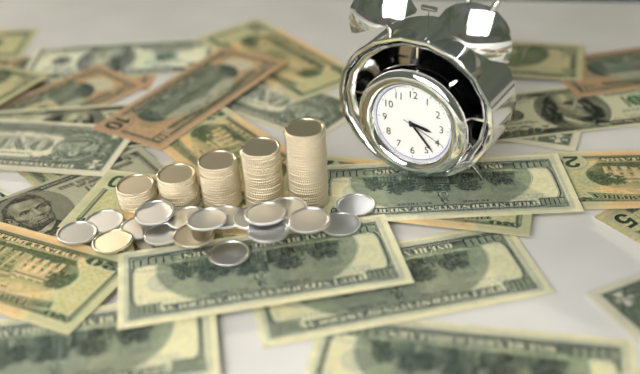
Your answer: 3 h 23 min
